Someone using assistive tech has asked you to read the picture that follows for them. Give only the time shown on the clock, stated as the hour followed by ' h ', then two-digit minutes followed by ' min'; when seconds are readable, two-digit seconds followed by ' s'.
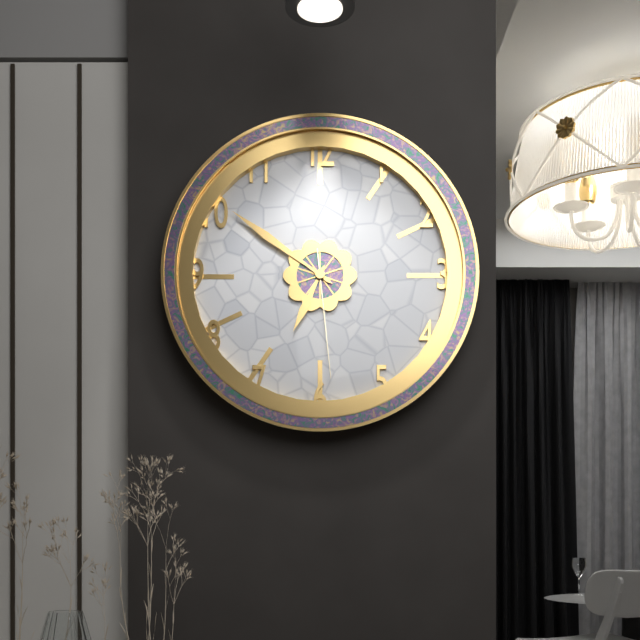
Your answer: 6 h 51 min 29 s
